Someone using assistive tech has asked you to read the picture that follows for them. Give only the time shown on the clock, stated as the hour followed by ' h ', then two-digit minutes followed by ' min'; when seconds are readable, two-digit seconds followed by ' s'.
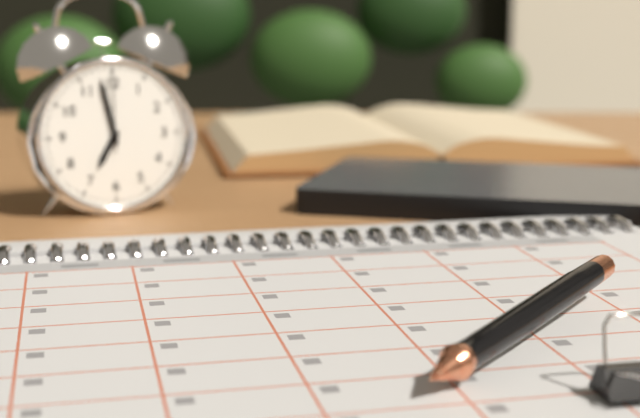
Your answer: 6 h 58 min 00 s
